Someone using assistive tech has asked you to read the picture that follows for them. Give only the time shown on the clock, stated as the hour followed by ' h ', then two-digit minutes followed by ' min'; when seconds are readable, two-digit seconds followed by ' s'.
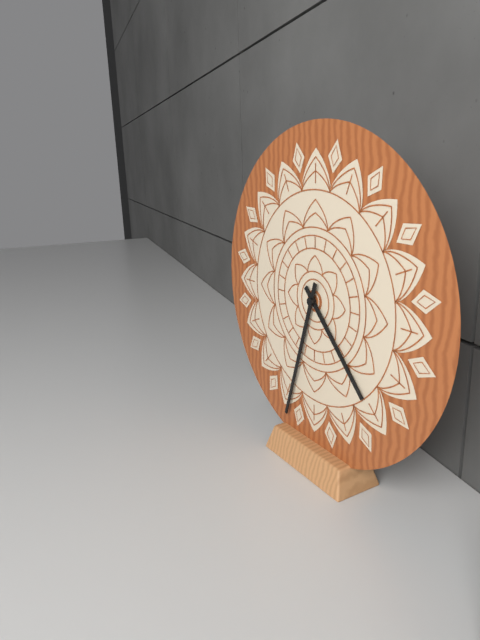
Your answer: 4 h 33 min
